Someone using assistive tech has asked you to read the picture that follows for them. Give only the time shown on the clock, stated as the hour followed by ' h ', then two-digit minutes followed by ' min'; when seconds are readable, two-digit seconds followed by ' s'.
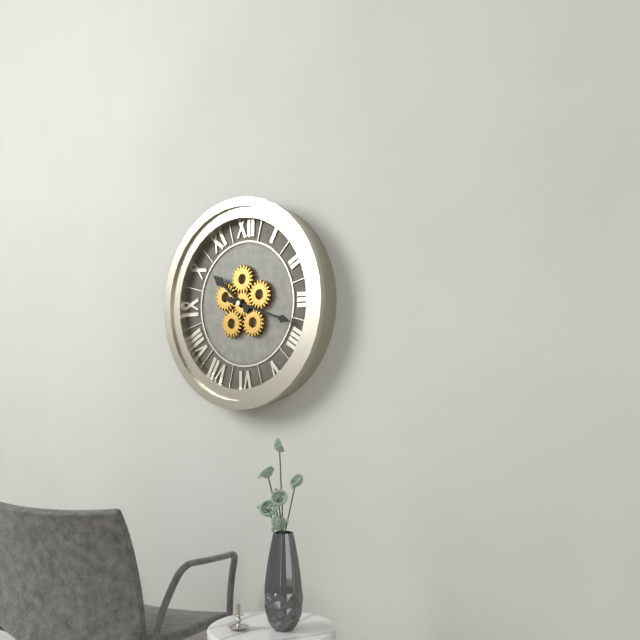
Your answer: 10 h 18 min
